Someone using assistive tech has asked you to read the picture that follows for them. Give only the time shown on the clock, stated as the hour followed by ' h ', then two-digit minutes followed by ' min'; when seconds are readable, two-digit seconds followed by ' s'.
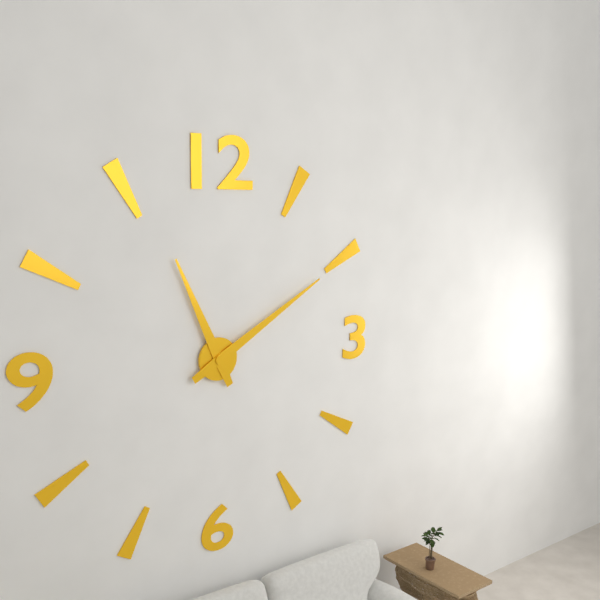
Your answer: 11 h 10 min
